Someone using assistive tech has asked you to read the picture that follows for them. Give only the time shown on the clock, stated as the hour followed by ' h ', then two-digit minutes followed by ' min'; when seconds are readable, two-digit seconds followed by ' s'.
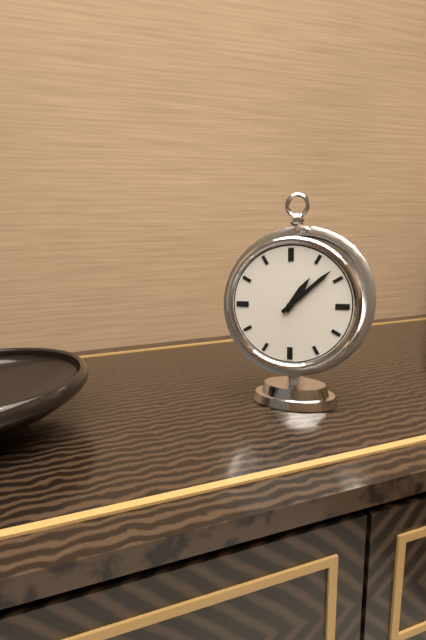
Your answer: 1 h 08 min
